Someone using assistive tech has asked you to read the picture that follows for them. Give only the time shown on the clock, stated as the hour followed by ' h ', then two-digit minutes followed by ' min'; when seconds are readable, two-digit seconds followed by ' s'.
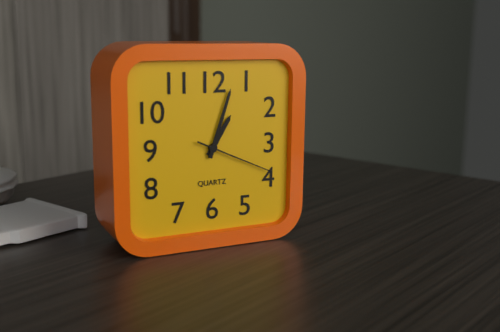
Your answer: 1 h 03 min 19 s
